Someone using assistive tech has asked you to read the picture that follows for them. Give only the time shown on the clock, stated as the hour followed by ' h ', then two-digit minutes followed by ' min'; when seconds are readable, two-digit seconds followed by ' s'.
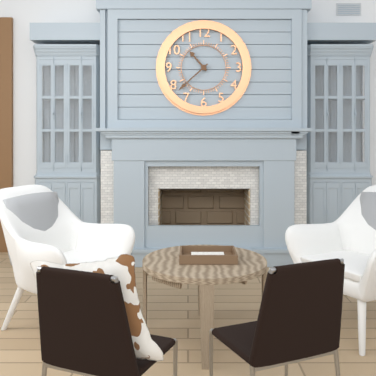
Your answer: 10 h 38 min
